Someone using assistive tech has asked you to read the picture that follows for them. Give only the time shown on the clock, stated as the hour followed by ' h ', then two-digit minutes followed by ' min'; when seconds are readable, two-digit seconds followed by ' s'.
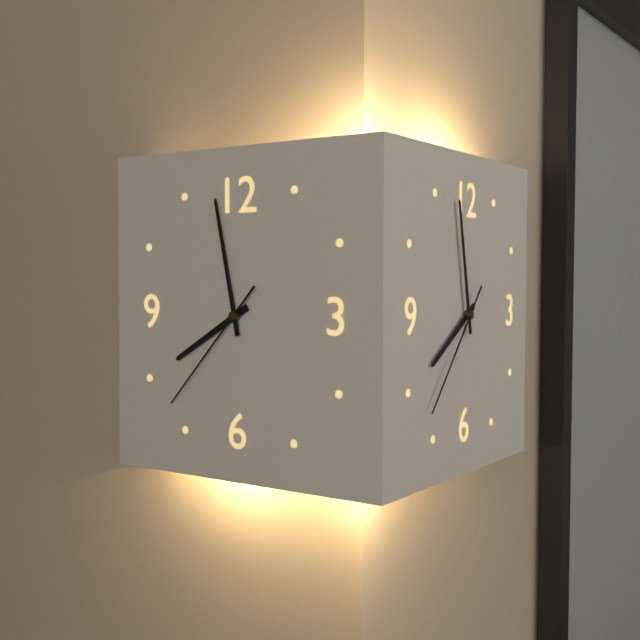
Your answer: 7 h 58 min 37 s
